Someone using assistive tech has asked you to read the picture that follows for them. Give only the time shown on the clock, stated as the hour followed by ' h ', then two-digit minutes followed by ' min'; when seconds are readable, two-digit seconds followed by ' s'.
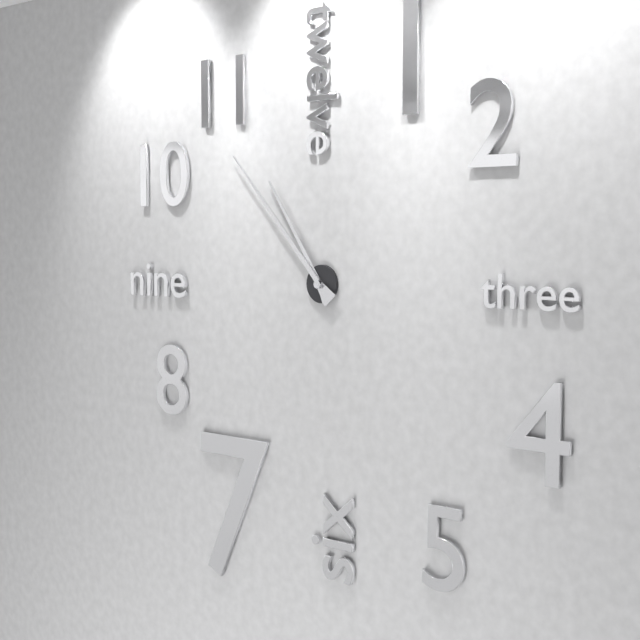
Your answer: 10 h 53 min
